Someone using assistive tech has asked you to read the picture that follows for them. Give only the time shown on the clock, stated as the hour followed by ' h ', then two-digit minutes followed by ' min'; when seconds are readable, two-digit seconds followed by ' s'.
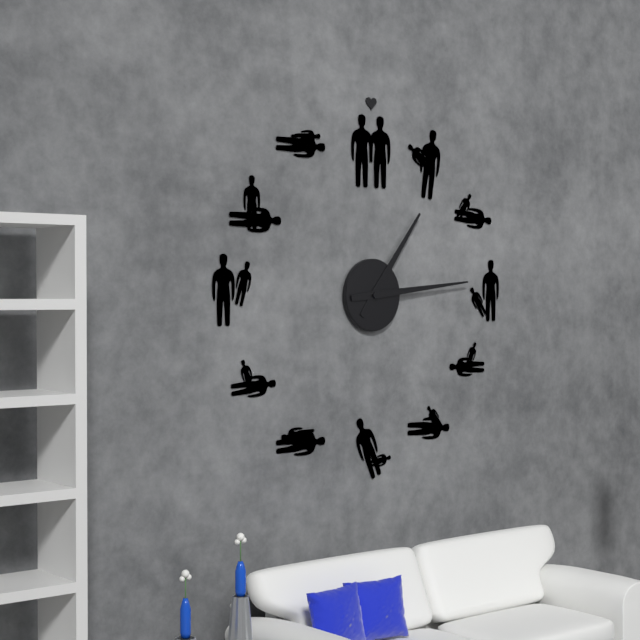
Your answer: 1 h 14 min
